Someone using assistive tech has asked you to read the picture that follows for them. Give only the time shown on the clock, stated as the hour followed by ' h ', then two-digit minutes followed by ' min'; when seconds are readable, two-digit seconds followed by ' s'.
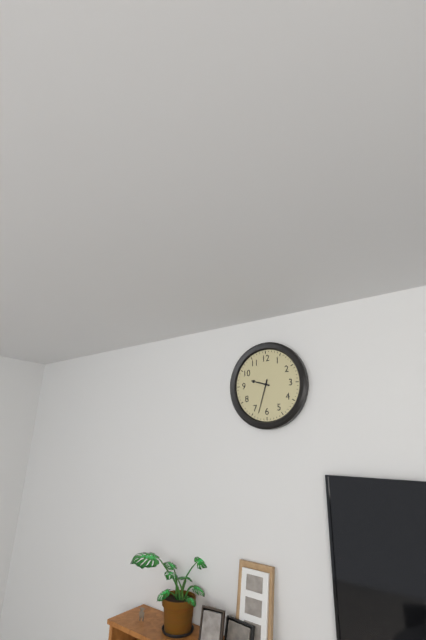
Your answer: 9 h 33 min
